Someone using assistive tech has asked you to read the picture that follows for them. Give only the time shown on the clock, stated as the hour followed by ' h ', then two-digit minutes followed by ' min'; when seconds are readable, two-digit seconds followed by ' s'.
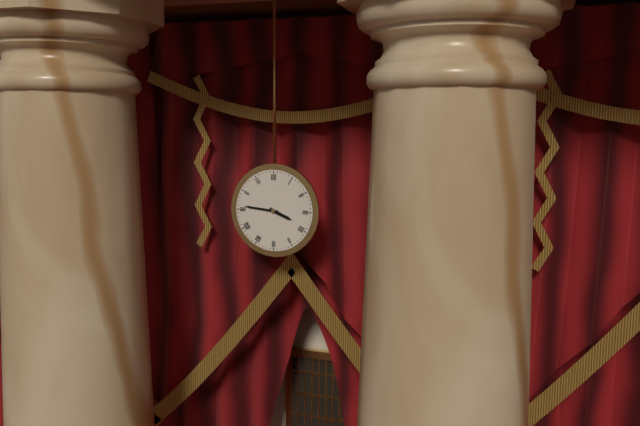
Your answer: 3 h 46 min
